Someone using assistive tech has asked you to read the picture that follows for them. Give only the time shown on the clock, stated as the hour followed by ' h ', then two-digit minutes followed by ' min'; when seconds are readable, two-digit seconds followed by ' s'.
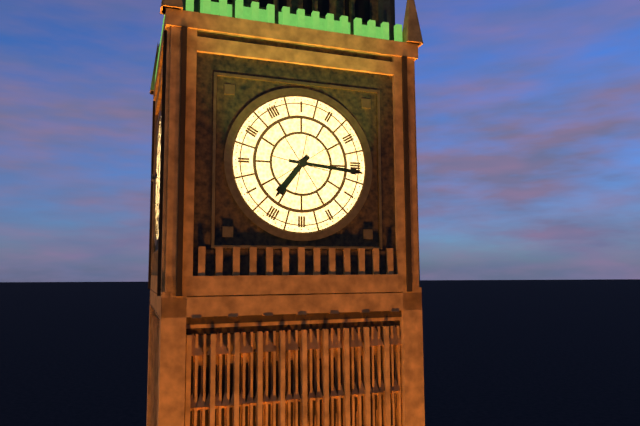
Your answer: 7 h 16 min
